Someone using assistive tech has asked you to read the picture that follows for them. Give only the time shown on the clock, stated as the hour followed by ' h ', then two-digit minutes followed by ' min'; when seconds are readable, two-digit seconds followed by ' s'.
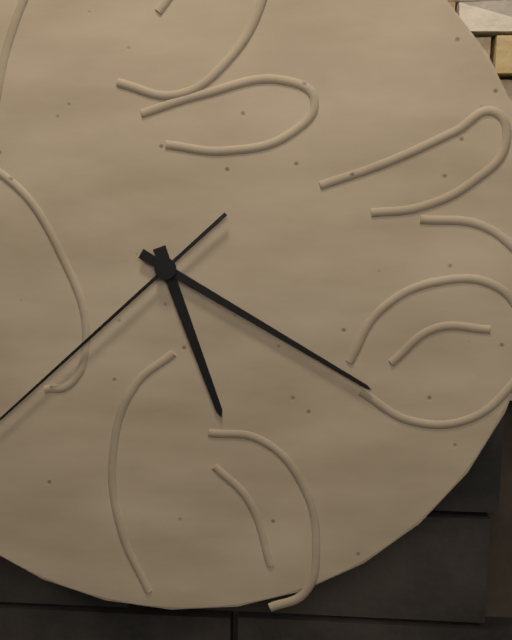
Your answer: 5 h 20 min
